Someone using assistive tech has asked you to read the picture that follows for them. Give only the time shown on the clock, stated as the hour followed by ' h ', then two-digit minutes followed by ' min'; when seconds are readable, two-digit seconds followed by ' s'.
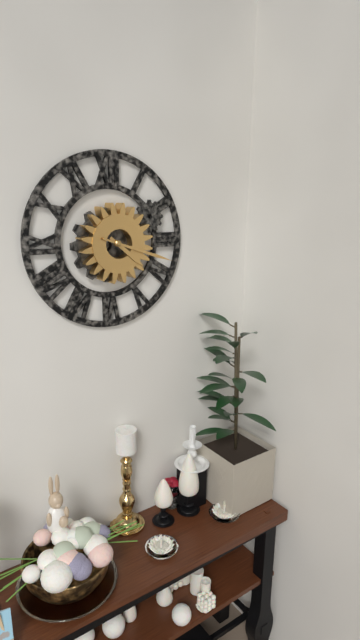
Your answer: 4 h 18 min
